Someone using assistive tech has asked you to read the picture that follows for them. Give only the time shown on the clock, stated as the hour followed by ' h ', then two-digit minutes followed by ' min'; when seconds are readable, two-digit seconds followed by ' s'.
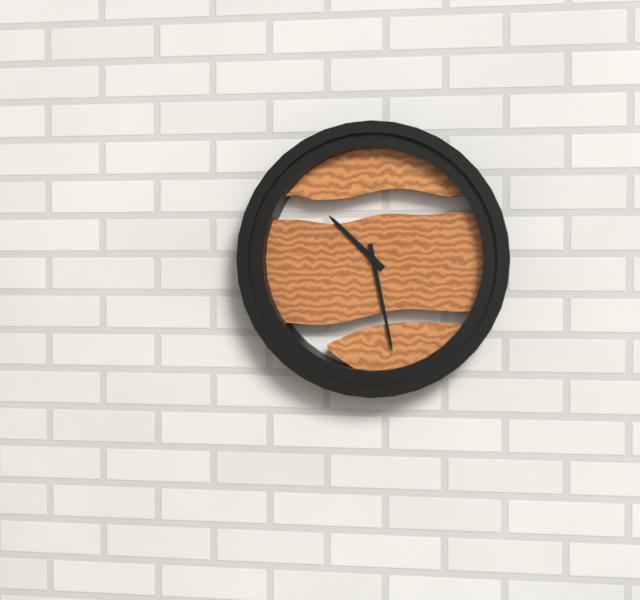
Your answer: 10 h 28 min
